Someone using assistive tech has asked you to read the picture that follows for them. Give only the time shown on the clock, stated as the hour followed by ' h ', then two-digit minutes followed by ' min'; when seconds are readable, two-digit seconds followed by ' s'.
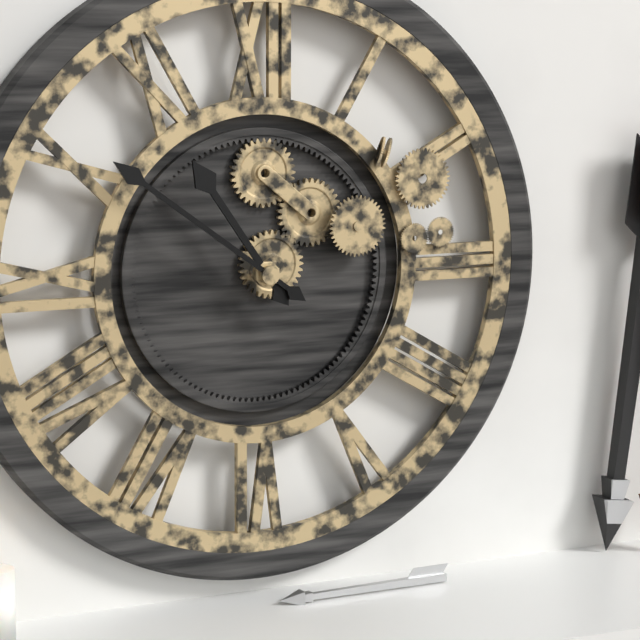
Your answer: 10 h 51 min
